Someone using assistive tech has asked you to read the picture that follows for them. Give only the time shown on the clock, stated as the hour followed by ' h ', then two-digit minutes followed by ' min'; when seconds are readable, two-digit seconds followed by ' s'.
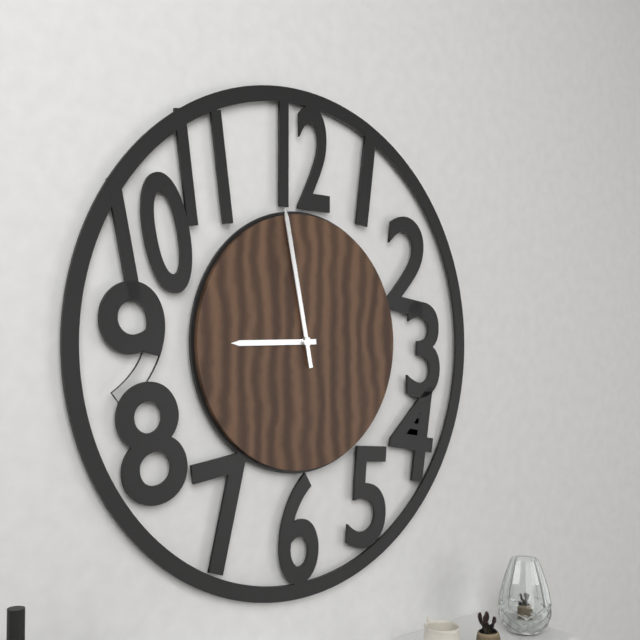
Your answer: 8 h 58 min
